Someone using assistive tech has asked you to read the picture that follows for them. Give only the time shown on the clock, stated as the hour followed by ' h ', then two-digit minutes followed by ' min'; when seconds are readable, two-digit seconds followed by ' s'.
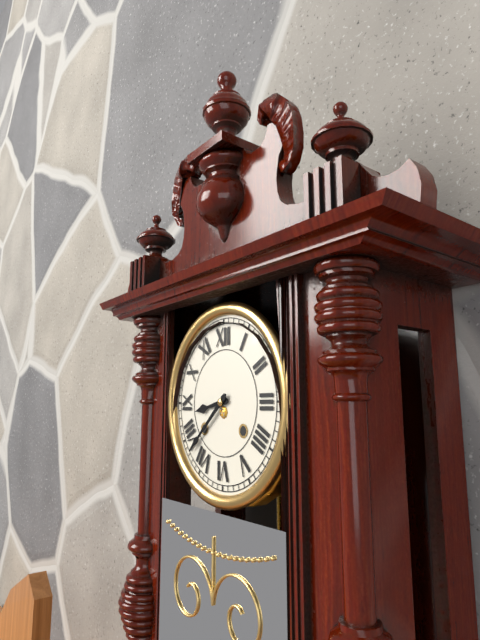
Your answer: 8 h 38 min
